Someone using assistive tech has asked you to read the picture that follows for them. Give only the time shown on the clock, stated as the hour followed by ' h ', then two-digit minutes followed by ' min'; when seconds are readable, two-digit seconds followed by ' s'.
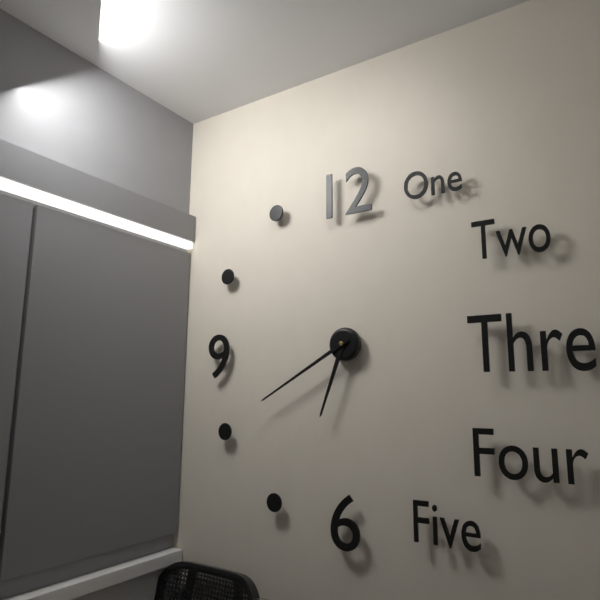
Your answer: 6 h 40 min
